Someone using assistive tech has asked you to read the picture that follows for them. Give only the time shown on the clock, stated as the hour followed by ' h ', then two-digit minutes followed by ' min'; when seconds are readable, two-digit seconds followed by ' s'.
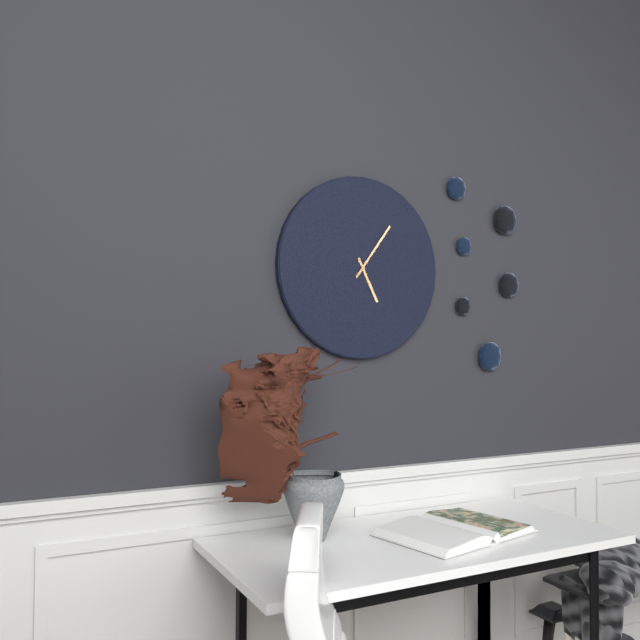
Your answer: 5 h 06 min
